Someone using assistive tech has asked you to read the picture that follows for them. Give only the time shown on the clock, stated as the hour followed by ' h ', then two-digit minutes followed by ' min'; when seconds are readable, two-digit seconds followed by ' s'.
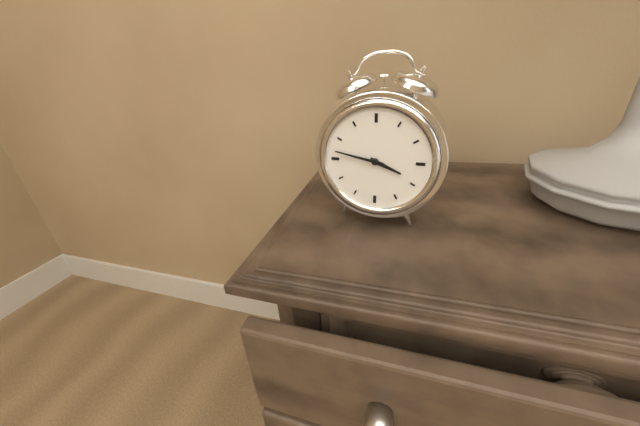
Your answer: 3 h 47 min
